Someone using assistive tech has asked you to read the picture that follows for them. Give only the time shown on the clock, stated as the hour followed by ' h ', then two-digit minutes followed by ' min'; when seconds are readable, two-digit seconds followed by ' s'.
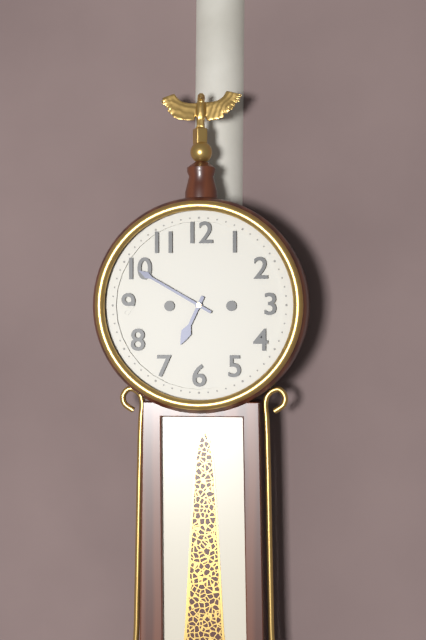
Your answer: 6 h 50 min
